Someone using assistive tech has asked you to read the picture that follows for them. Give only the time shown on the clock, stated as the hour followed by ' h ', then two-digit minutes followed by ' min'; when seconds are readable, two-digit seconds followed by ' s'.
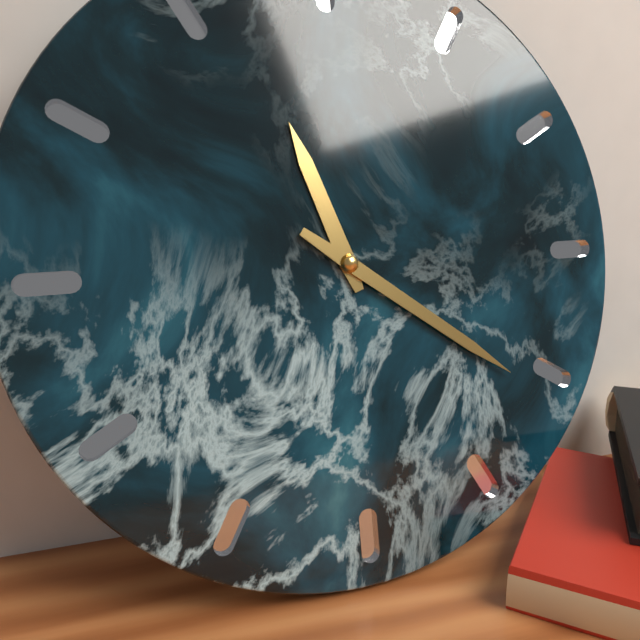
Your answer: 11 h 21 min
